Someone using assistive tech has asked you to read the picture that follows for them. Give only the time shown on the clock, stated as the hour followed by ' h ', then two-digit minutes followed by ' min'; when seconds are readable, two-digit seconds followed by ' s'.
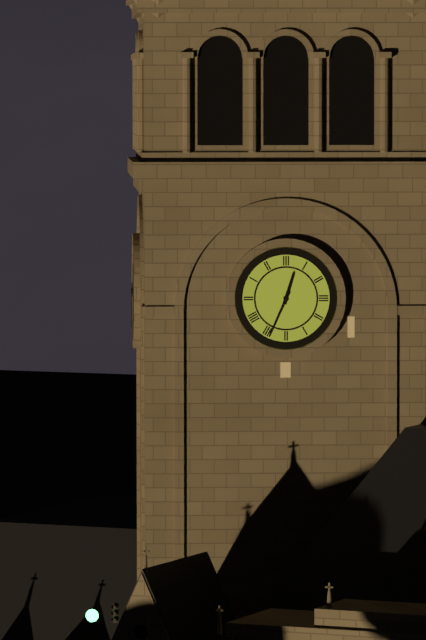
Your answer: 12 h 34 min
